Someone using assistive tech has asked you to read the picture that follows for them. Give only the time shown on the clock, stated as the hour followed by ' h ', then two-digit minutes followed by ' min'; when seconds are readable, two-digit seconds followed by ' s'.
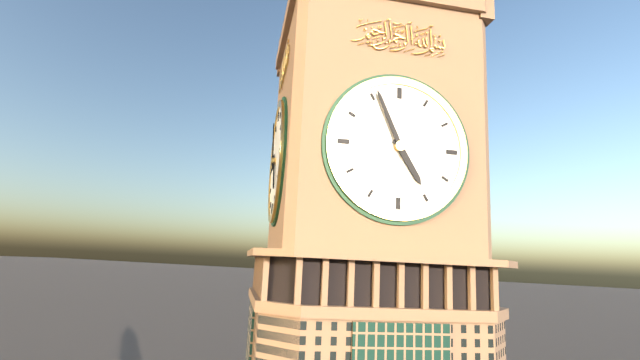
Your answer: 4 h 56 min
